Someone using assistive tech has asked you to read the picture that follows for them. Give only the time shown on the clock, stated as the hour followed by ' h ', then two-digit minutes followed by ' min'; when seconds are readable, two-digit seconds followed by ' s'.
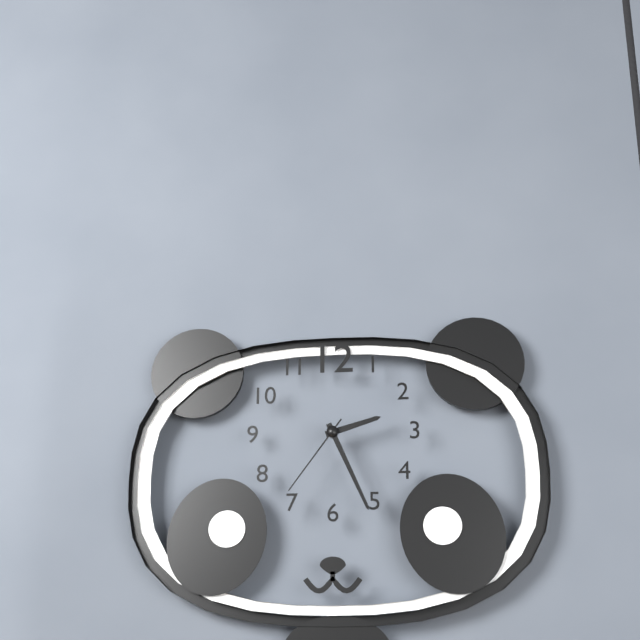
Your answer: 2 h 26 min 36 s
